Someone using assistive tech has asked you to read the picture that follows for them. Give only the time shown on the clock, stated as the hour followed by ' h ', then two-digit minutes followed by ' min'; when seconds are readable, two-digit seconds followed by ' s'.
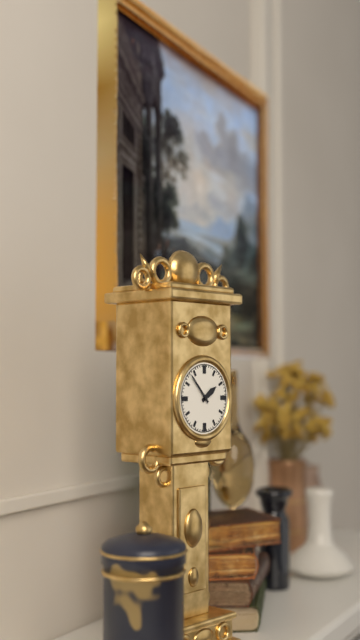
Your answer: 1 h 53 min
